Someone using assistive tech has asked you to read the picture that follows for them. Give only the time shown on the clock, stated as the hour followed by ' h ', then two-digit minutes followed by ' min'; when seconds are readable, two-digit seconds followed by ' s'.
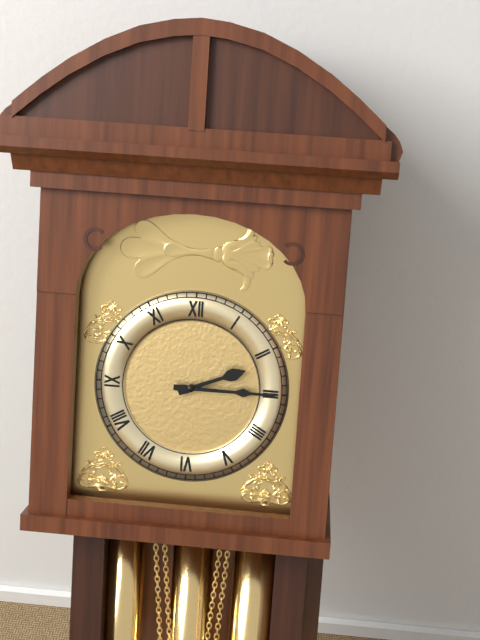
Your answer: 2 h 15 min
